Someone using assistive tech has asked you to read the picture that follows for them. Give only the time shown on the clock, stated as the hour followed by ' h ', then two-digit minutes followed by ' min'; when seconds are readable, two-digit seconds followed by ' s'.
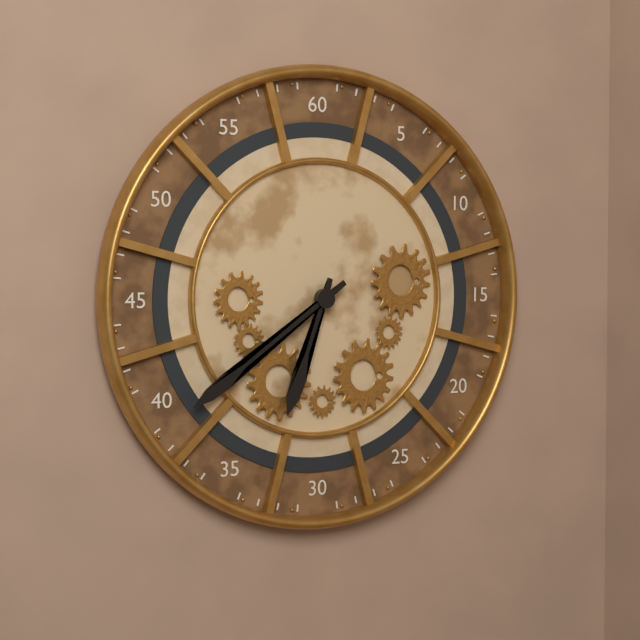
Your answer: 6 h 39 min
